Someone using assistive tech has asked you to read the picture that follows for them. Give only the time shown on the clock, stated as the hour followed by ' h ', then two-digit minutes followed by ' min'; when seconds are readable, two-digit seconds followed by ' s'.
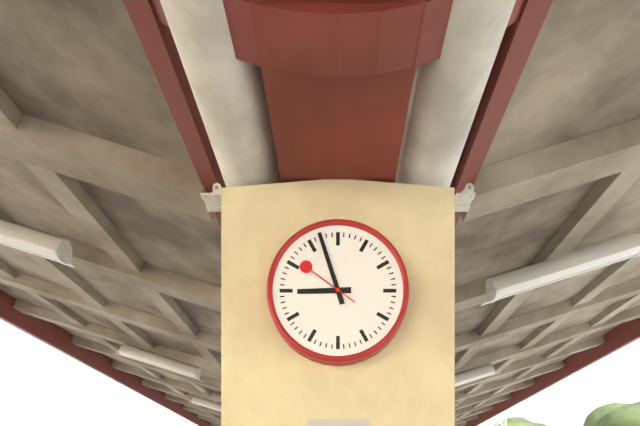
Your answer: 8 h 57 min 51 s
